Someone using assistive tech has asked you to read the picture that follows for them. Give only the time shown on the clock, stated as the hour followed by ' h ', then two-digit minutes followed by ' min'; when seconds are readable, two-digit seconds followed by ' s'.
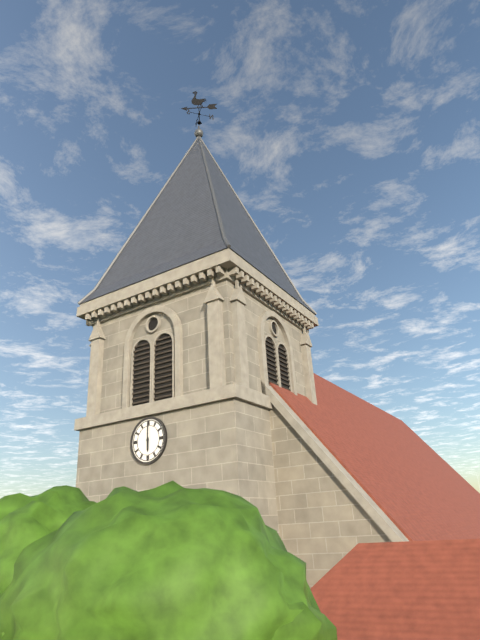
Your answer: 6 h 00 min
